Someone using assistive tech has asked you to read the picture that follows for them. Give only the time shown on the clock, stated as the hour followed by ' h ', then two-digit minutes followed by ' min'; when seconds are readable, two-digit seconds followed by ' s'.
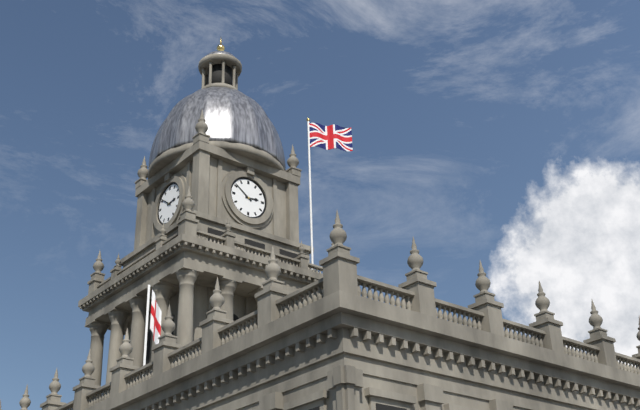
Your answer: 2 h 51 min
